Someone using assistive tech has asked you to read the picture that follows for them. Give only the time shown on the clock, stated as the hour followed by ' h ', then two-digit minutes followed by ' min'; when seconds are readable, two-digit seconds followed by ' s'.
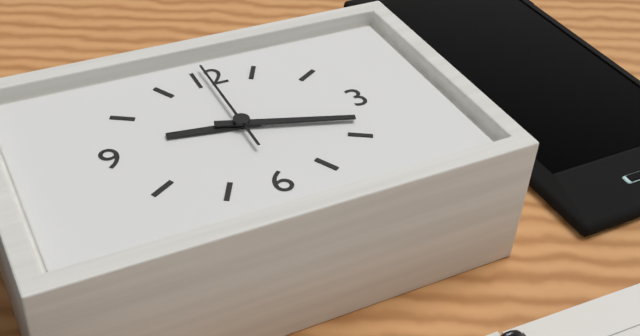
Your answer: 9 h 18 min 00 s
